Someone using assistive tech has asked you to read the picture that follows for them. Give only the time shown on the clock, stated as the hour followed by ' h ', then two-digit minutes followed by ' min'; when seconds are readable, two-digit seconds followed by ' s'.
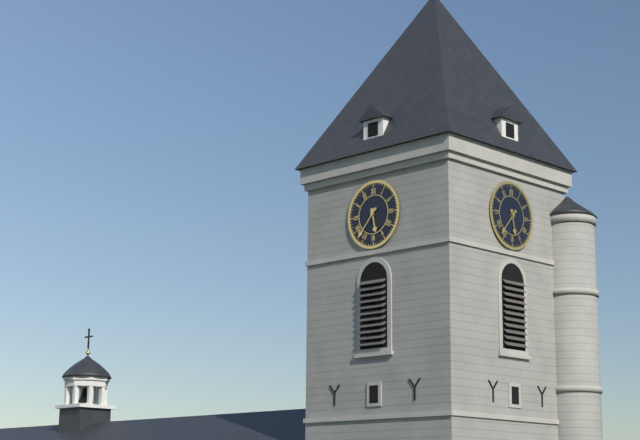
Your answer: 5 h 37 min
